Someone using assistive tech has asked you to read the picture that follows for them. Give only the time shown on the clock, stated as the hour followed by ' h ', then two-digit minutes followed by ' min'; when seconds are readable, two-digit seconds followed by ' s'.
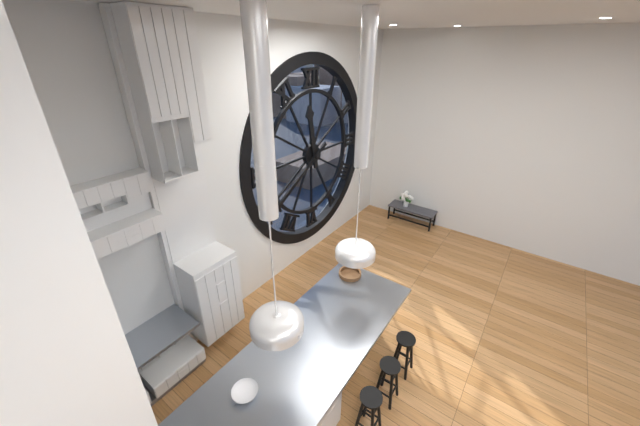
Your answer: 11 h 40 min
